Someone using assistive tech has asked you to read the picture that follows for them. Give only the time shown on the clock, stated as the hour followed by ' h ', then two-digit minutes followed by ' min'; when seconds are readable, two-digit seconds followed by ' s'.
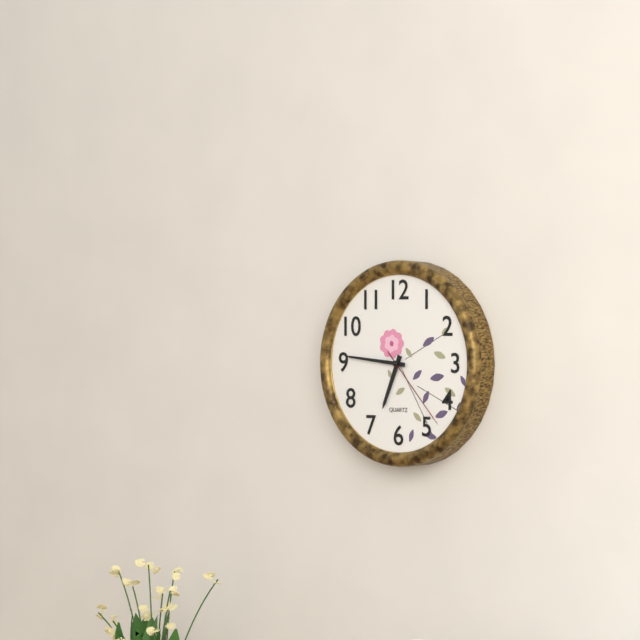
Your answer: 6 h 46 min 23 s
